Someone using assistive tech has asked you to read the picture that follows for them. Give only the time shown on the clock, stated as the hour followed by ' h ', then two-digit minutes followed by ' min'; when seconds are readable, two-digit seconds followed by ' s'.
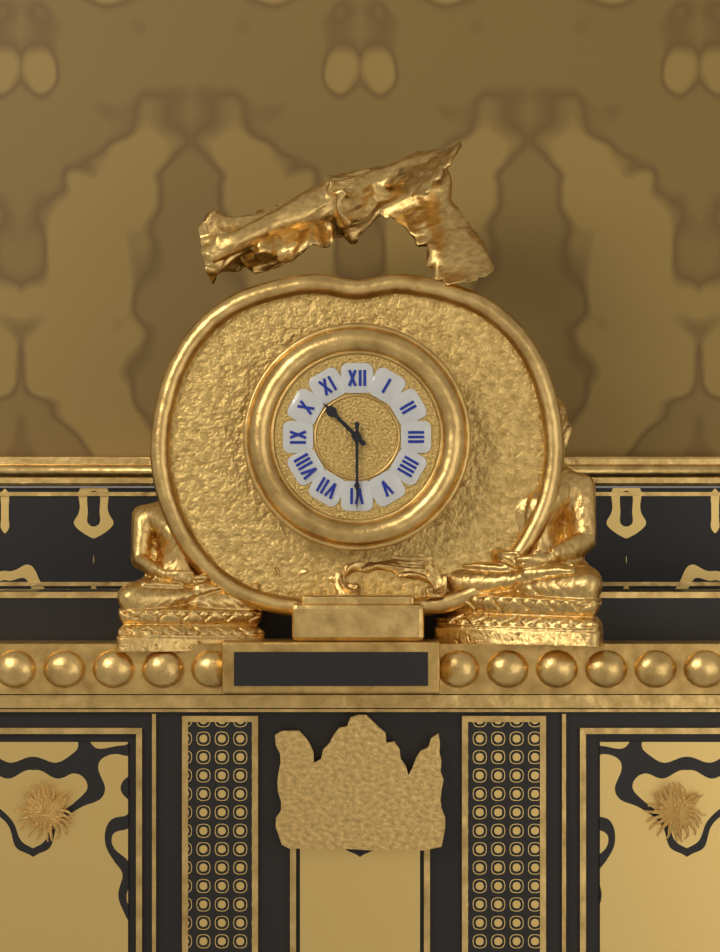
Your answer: 10 h 30 min
